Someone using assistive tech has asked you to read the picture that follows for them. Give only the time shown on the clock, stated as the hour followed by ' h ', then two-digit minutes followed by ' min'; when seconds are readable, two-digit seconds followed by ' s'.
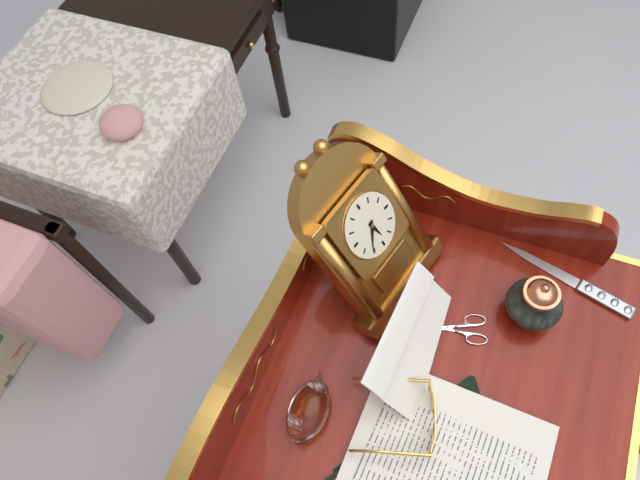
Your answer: 5 h 36 min
